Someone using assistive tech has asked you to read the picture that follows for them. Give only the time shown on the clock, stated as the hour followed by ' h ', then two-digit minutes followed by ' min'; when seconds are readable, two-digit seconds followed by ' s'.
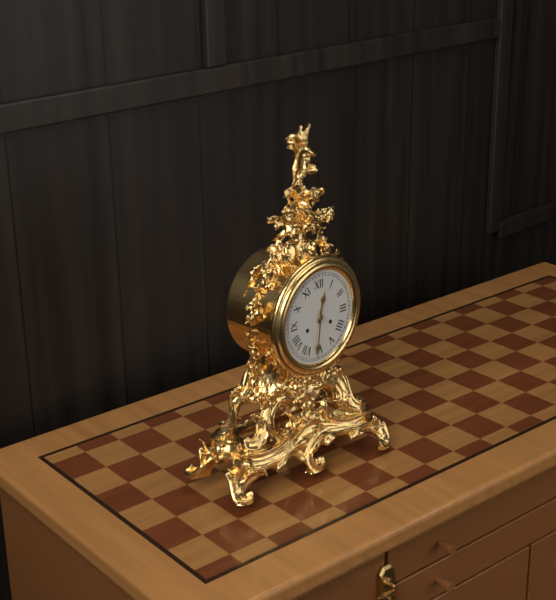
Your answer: 12 h 31 min
